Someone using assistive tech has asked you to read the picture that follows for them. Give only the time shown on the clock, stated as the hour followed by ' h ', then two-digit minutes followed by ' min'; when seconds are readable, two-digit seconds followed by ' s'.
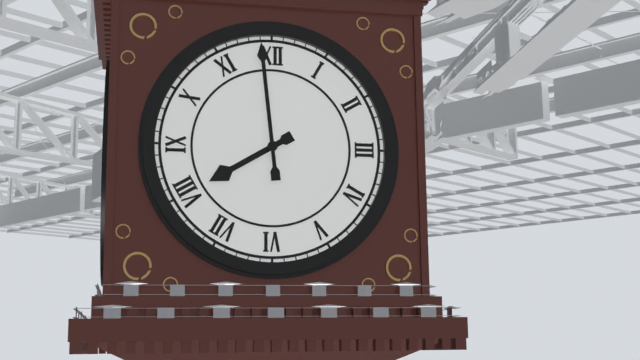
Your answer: 7 h 59 min
